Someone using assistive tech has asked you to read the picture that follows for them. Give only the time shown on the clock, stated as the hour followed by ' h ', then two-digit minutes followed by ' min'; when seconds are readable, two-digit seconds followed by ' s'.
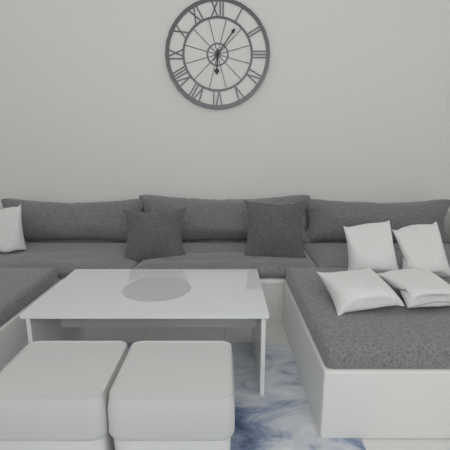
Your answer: 6 h 06 min
